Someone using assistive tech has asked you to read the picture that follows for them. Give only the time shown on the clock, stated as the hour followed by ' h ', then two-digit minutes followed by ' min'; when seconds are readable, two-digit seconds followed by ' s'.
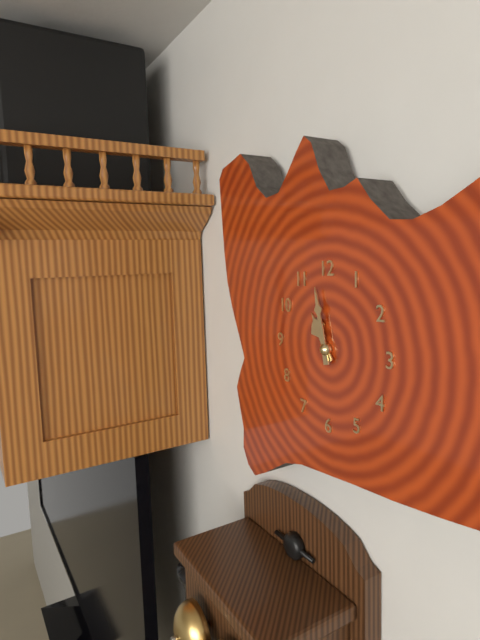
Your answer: 10 h 58 min
